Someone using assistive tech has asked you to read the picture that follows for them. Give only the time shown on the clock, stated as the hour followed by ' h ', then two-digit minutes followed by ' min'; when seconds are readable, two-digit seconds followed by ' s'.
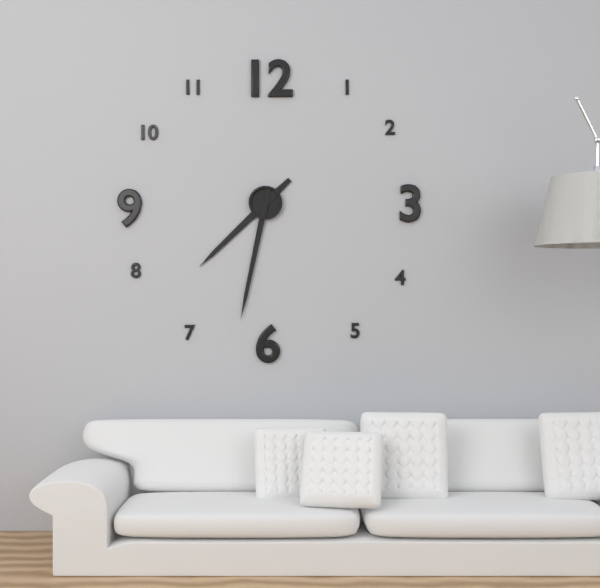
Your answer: 7 h 32 min
